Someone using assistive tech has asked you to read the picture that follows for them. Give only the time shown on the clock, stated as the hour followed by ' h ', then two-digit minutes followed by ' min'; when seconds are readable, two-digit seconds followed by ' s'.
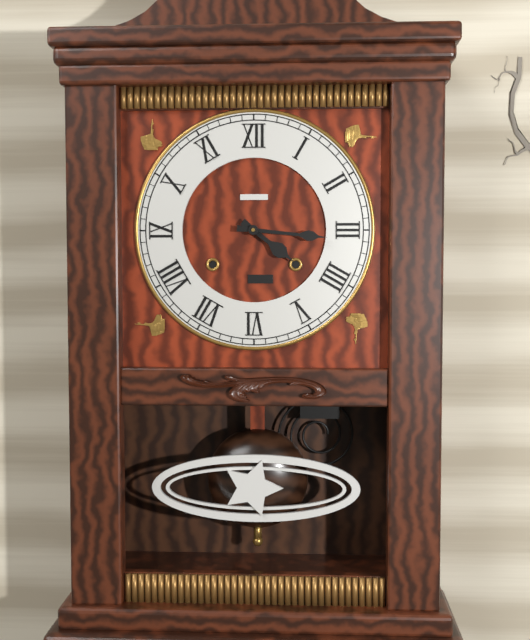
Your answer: 4 h 16 min
